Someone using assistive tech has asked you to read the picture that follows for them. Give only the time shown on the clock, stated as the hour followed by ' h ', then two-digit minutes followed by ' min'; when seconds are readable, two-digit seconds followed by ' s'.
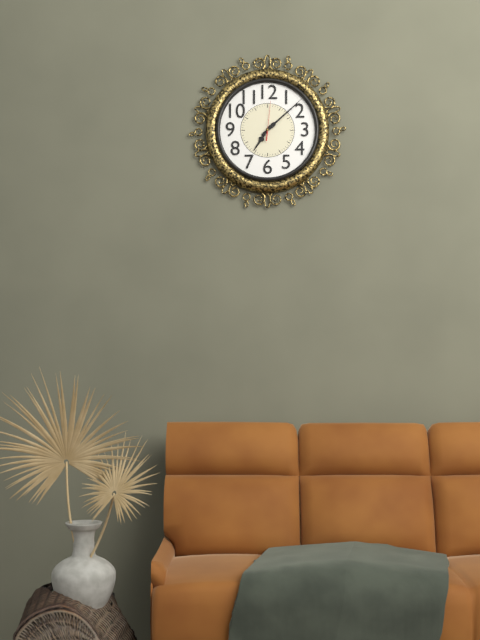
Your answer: 7 h 08 min
